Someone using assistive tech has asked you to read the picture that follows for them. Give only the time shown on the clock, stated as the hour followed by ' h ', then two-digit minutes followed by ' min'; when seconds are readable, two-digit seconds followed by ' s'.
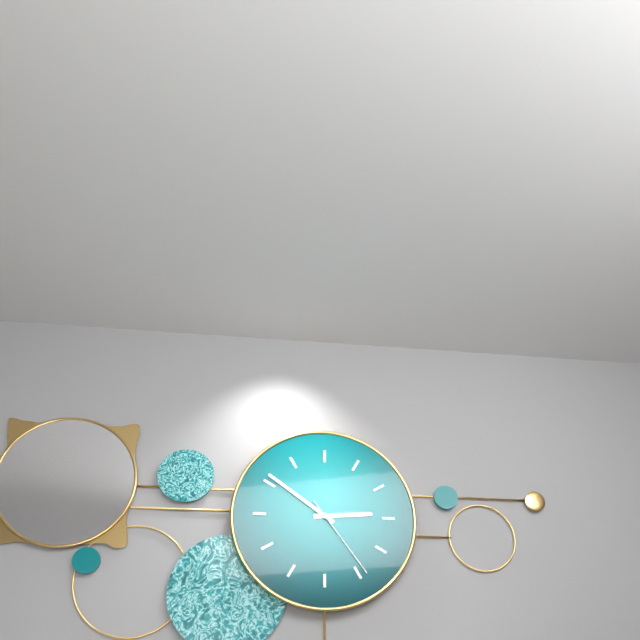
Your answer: 2 h 51 min 24 s
